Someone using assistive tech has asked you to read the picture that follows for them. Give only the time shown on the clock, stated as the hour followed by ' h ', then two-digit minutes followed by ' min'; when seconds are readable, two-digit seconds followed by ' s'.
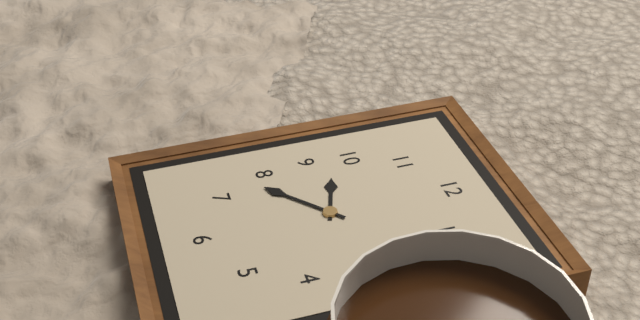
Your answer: 9 h 38 min
